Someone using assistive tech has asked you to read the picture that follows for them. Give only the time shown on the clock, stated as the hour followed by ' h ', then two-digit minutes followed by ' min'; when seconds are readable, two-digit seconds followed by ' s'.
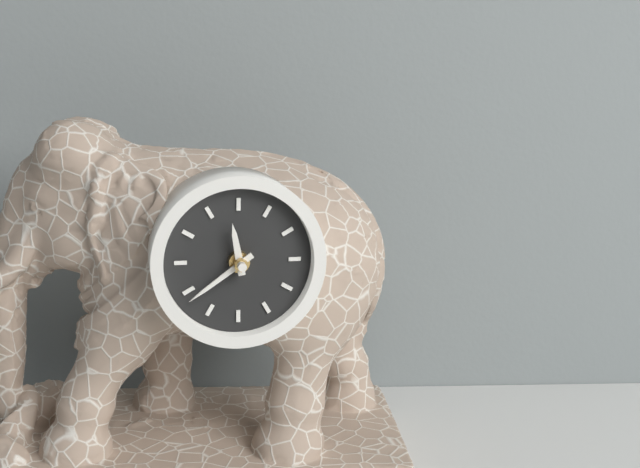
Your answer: 11 h 39 min
